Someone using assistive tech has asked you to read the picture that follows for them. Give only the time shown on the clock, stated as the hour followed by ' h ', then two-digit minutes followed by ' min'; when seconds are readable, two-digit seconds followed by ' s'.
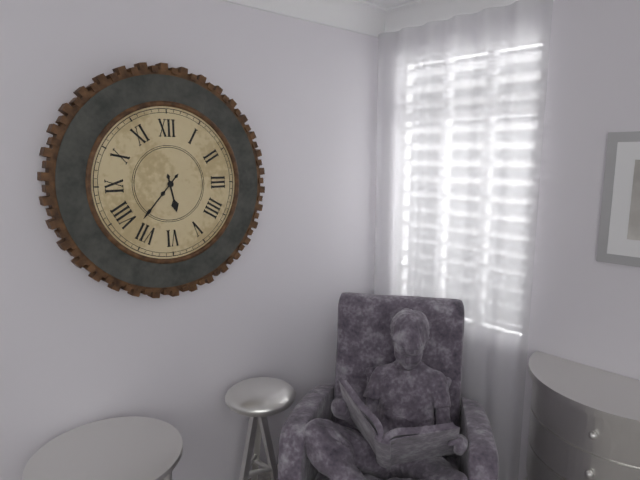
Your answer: 5 h 37 min
